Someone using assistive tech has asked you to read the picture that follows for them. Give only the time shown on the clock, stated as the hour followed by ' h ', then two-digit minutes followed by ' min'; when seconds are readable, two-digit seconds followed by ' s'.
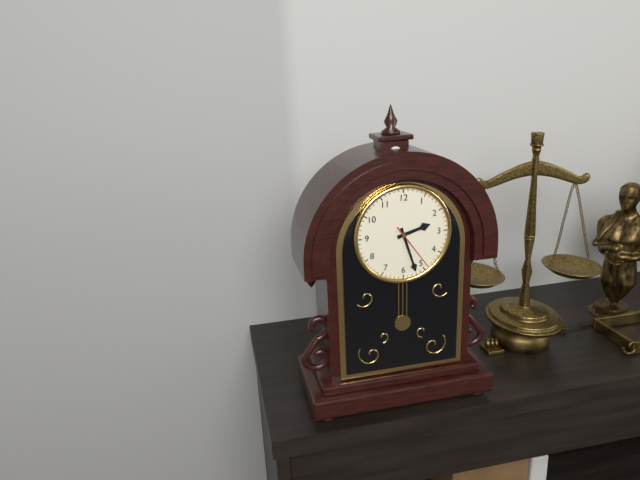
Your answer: 2 h 27 min
